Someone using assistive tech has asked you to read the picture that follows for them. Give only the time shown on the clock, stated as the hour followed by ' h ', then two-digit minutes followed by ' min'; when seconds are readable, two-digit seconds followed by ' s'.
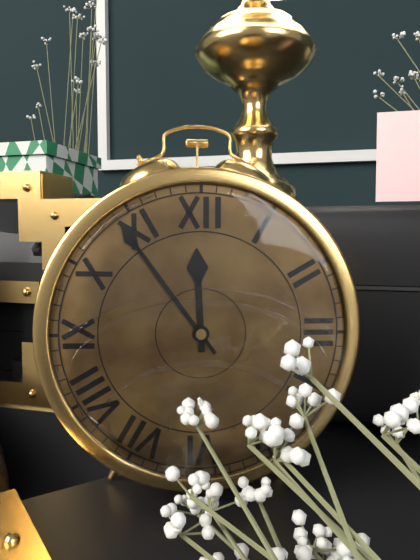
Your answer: 11 h 54 min
